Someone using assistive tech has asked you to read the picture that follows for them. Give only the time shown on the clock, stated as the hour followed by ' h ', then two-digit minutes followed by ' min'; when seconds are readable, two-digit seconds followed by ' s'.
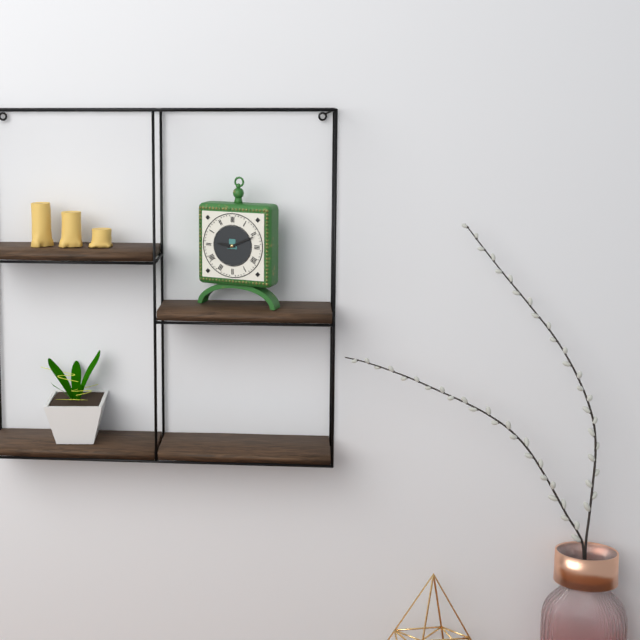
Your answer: 9 h 11 min
